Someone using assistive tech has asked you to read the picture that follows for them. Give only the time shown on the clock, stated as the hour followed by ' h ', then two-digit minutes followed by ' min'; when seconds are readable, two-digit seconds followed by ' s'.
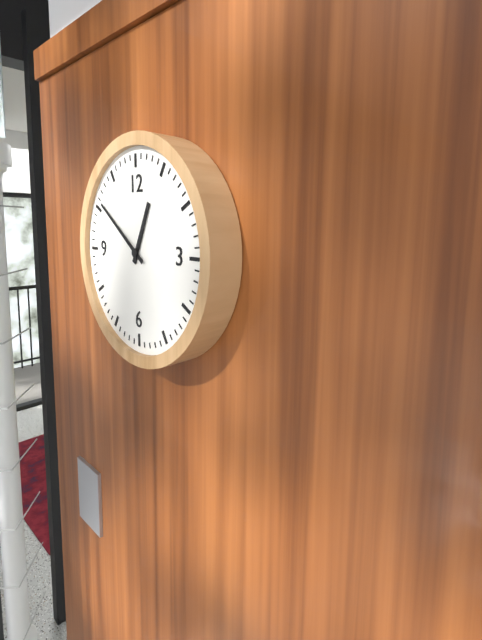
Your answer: 12 h 51 min
